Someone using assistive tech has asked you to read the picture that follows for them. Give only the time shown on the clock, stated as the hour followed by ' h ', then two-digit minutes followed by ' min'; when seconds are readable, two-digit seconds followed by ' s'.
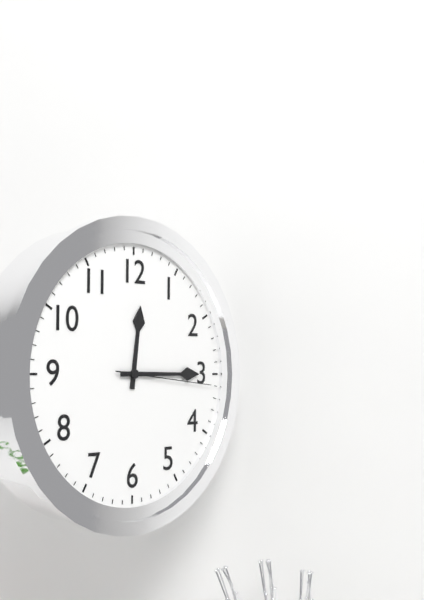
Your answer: 12 h 15 min 16 s
